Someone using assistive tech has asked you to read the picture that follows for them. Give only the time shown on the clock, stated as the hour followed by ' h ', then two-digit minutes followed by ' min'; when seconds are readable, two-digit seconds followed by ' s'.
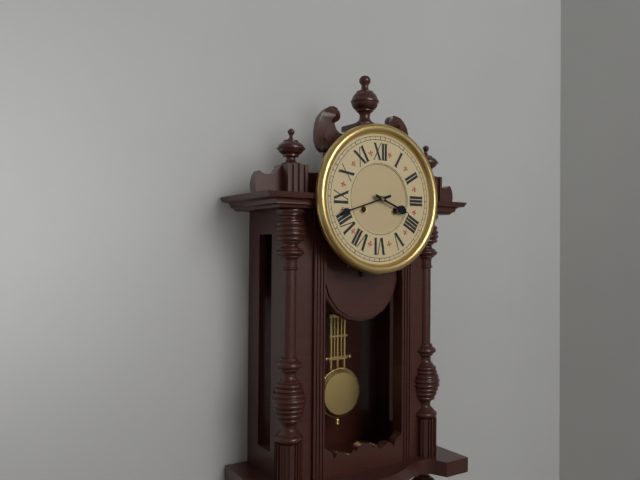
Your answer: 3 h 42 min
